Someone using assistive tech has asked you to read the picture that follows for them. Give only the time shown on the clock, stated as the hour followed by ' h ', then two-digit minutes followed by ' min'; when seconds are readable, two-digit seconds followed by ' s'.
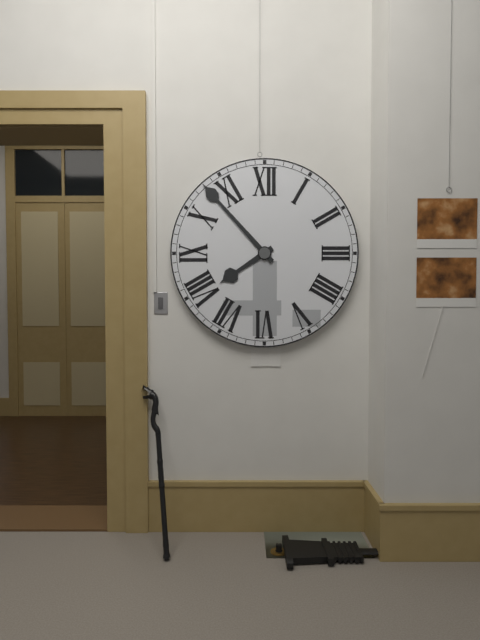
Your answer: 7 h 53 min
